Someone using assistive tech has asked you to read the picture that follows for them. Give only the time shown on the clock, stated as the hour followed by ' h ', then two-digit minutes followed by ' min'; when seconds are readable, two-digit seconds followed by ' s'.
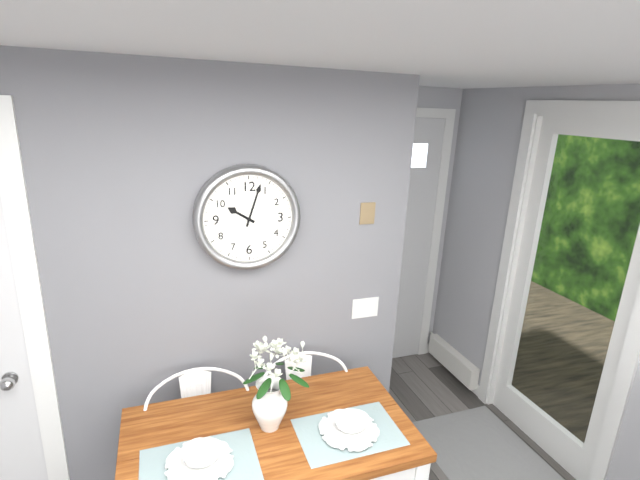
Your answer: 10 h 03 min
